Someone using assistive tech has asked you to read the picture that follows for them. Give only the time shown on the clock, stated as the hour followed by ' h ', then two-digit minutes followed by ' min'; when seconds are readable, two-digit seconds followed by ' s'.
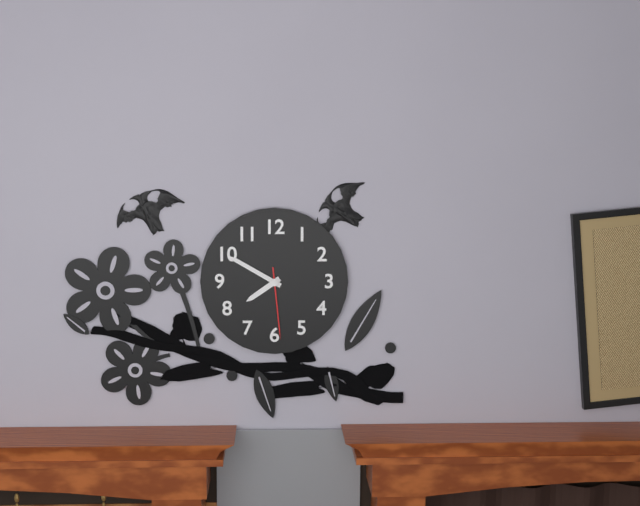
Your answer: 7 h 50 min 29 s
